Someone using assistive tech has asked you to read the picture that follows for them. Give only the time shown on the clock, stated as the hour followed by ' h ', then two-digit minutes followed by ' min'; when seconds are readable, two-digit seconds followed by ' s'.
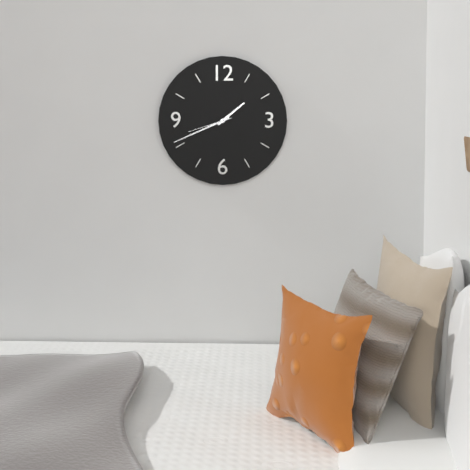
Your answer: 1 h 41 min
